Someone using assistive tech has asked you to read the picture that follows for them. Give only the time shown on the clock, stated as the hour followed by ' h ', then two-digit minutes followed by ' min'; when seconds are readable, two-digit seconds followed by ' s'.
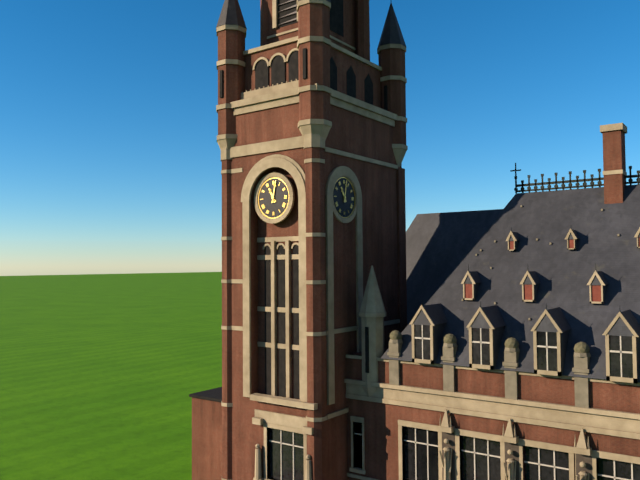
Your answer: 11 h 02 min
